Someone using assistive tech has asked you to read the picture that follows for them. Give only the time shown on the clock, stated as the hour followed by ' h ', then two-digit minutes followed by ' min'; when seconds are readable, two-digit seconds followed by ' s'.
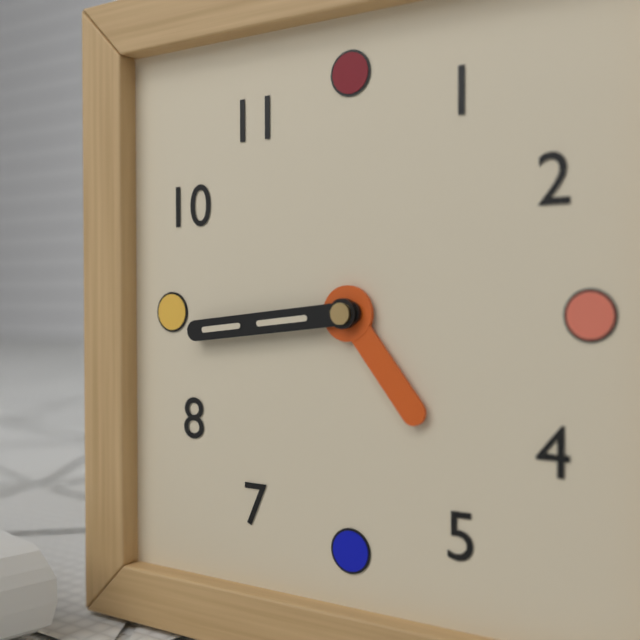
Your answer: 4 h 44 min
